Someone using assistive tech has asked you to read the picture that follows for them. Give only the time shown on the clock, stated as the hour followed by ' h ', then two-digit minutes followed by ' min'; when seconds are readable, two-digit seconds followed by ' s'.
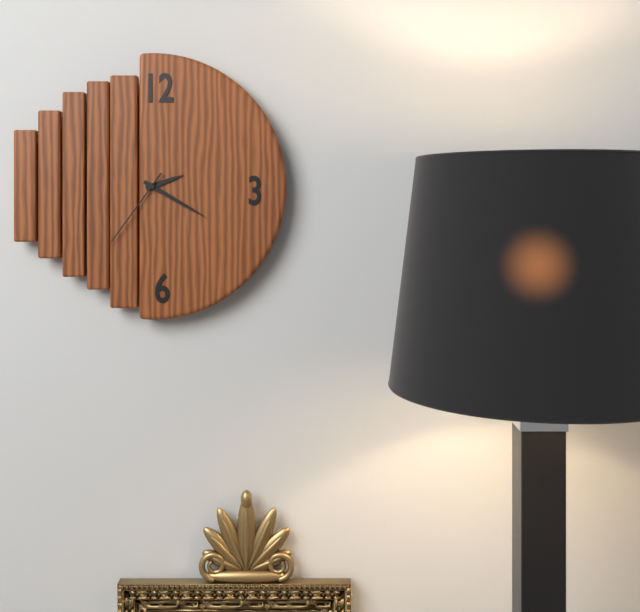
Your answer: 2 h 20 min 36 s
